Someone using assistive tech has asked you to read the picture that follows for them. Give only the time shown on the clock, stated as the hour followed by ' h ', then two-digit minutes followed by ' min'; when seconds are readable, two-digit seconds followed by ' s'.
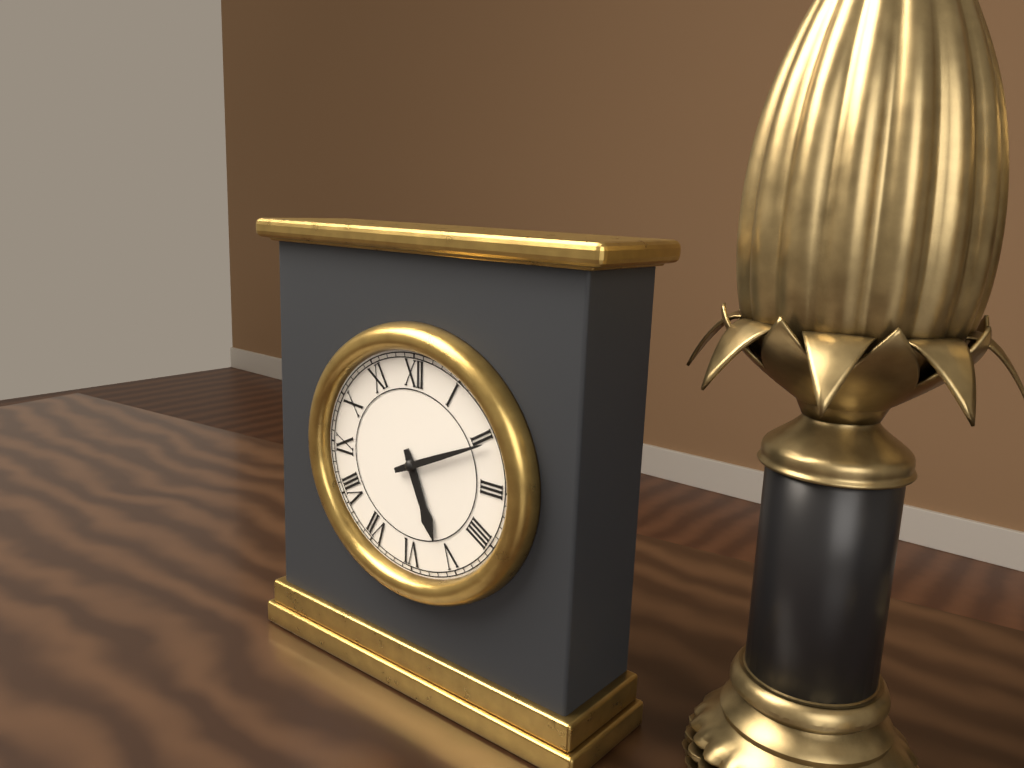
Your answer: 5 h 11 min
